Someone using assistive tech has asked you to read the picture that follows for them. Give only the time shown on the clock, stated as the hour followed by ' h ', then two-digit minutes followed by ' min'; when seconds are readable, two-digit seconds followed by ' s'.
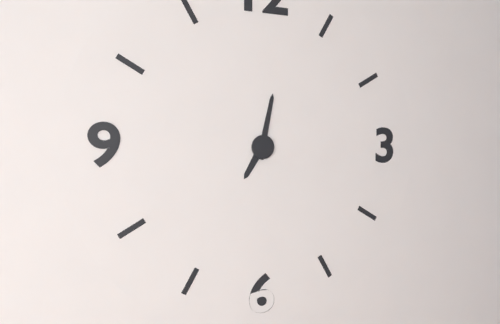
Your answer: 7 h 02 min
